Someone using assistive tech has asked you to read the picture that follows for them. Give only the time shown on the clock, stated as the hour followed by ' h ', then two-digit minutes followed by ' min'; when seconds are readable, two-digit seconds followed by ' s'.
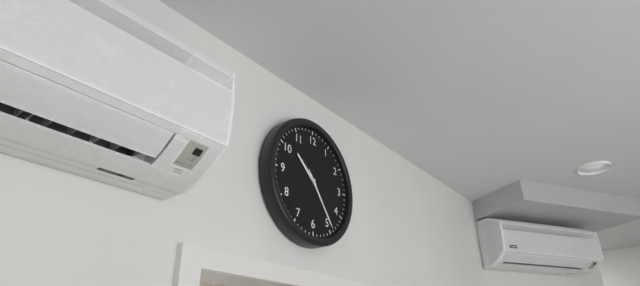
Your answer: 10 h 24 min 24 s
